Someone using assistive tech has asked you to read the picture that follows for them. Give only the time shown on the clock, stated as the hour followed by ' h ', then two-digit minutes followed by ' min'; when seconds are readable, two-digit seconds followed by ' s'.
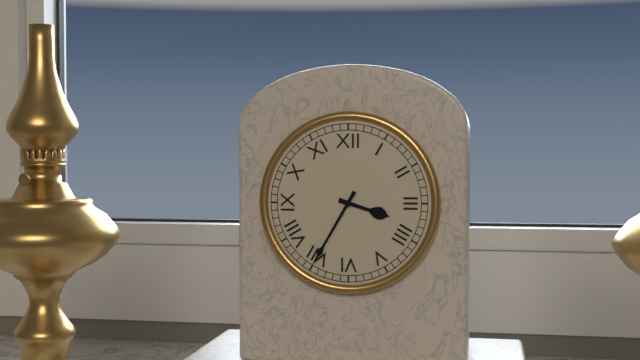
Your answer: 3 h 35 min
